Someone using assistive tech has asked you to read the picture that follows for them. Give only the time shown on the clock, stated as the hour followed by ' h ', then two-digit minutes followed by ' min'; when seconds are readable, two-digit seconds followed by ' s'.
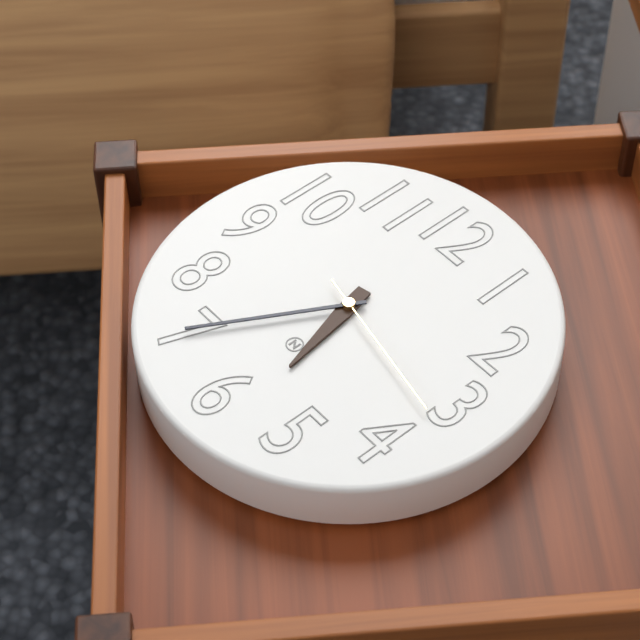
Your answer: 5 h 35 min 17 s
